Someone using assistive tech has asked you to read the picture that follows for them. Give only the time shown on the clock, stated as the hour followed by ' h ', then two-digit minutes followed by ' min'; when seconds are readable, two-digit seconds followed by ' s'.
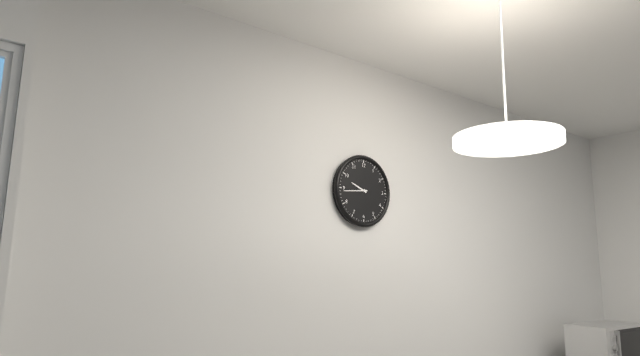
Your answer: 9 h 44 min
